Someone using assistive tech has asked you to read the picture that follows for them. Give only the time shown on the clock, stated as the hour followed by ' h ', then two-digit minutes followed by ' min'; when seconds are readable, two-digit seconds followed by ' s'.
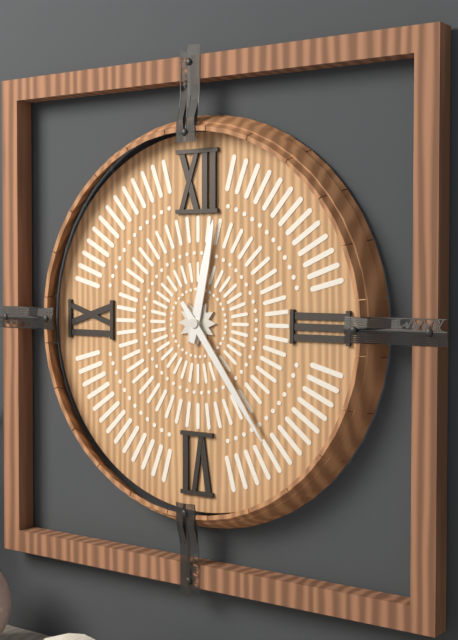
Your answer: 12 h 24 min
